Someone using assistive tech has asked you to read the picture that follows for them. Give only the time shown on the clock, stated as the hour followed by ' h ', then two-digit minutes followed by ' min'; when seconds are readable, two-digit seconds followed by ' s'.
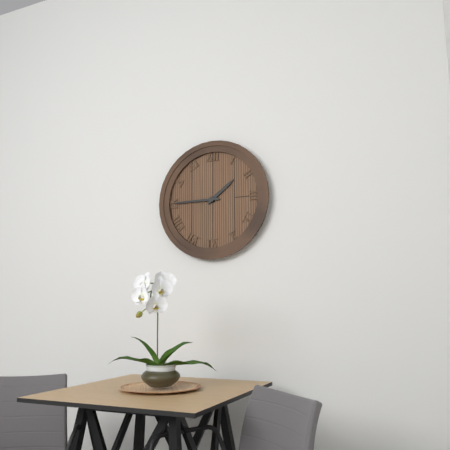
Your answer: 1 h 45 min
